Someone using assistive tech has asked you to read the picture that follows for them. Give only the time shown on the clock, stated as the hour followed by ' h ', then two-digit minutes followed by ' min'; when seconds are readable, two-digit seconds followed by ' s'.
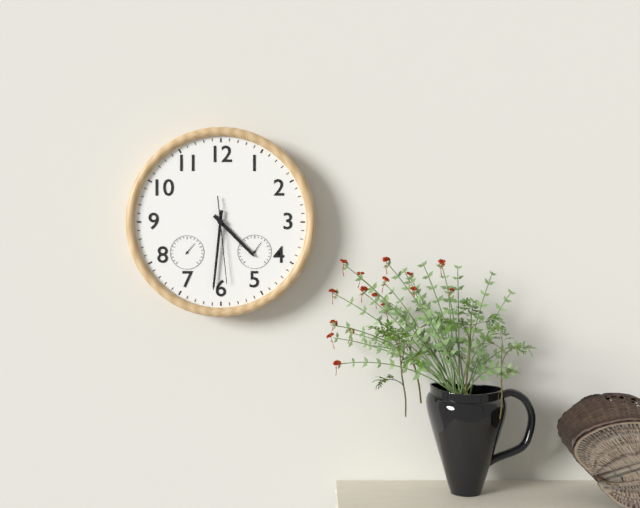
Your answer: 4 h 31 min 29 s
